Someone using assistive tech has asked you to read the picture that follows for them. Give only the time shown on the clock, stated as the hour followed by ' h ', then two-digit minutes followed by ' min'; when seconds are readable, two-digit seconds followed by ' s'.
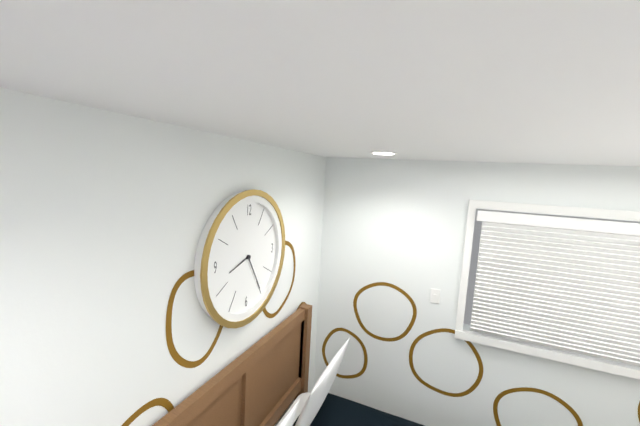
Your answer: 8 h 25 min
